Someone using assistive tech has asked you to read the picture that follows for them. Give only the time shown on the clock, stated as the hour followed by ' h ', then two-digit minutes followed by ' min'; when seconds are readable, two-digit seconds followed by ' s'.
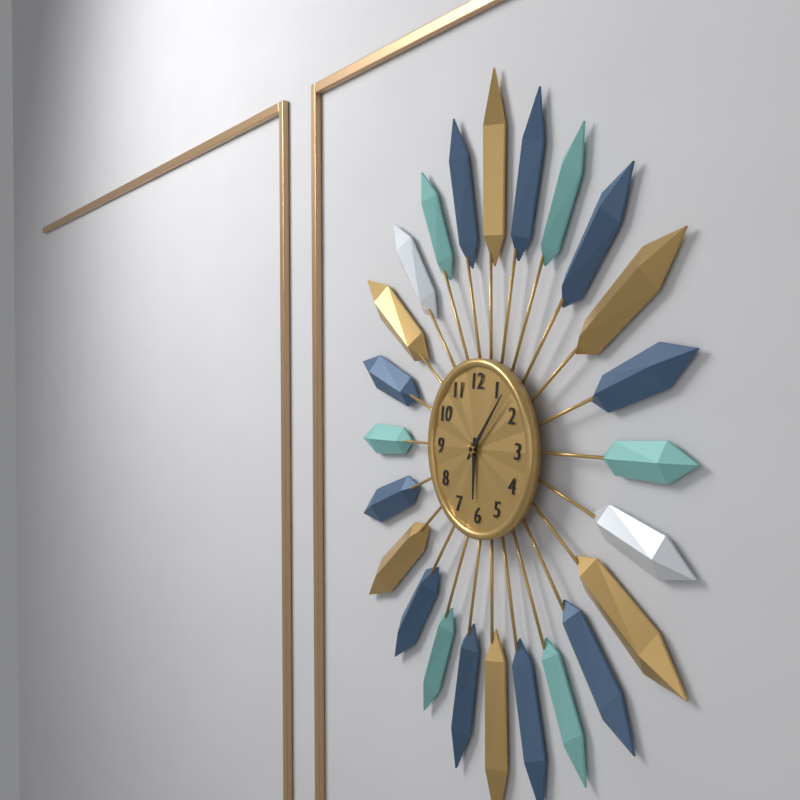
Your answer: 6 h 07 min
